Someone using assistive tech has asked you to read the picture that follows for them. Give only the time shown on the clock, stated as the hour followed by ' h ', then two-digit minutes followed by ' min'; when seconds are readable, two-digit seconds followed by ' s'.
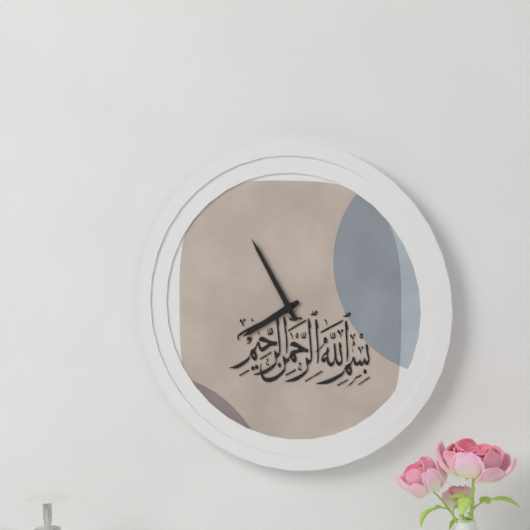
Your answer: 7 h 55 min
